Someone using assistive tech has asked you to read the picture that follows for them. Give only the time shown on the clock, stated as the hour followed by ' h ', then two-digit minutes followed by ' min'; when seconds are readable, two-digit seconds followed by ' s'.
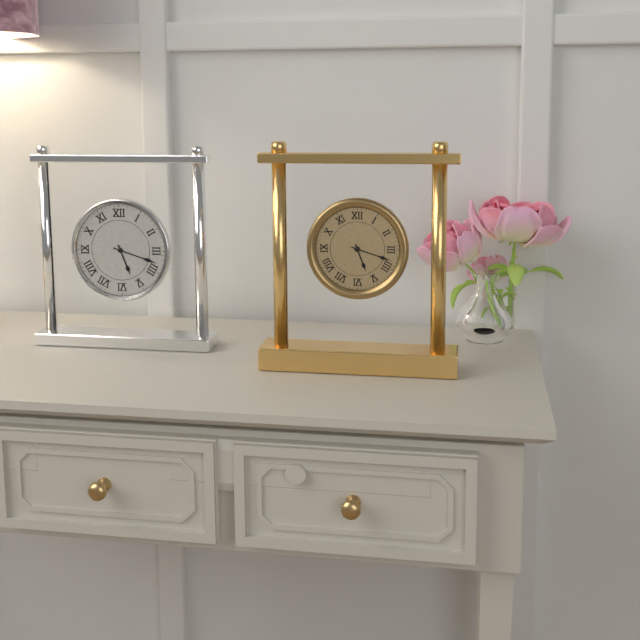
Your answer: 5 h 18 min
